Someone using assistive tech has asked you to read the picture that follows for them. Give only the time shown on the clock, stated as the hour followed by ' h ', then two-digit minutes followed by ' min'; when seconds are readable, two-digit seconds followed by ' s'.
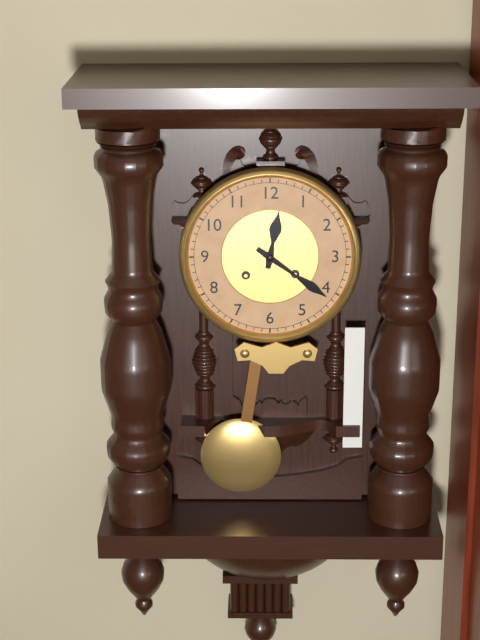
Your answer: 12 h 21 min
